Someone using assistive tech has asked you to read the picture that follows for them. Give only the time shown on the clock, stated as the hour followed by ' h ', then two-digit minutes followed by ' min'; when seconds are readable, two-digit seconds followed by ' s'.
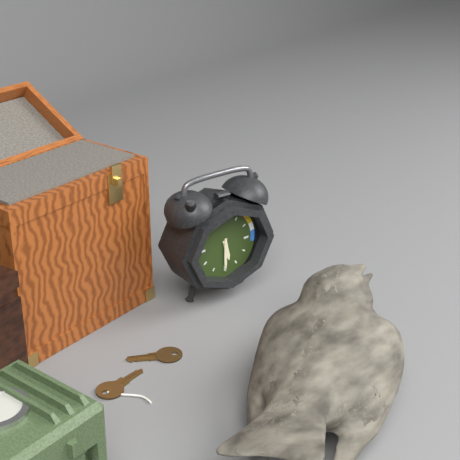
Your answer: 5 h 30 min
